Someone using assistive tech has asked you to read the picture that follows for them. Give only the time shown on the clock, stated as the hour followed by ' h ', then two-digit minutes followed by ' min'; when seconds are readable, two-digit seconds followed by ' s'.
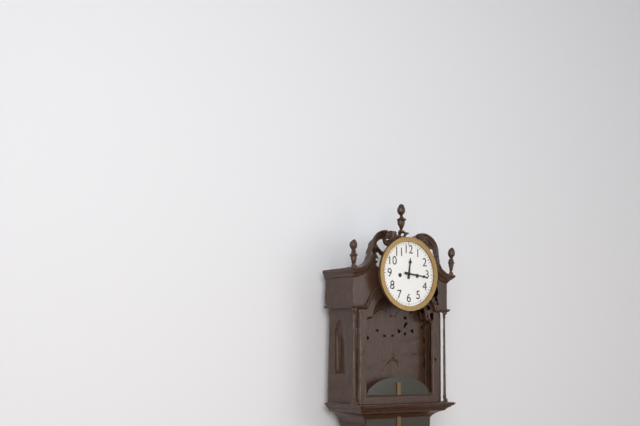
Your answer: 12 h 16 min
